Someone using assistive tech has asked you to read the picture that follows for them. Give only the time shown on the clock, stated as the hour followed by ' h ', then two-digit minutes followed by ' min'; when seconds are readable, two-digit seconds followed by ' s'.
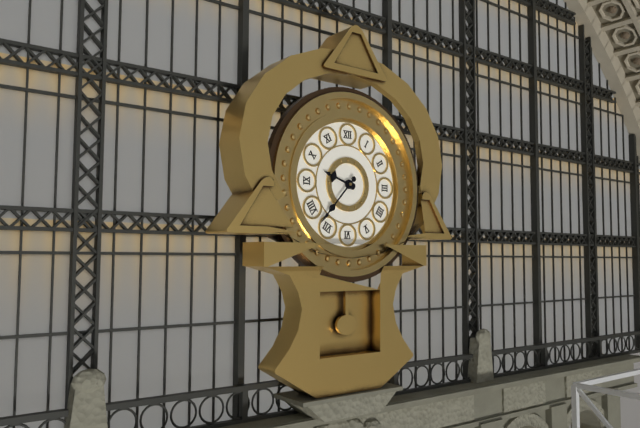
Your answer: 9 h 37 min
